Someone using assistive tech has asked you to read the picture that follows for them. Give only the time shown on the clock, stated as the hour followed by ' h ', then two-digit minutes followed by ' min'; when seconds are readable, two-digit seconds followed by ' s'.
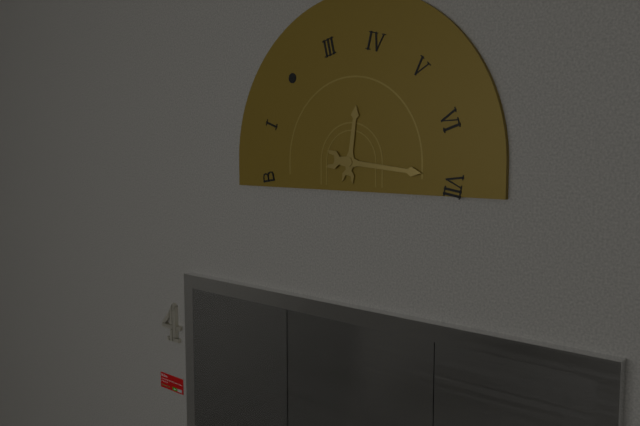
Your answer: 12 h 16 min
